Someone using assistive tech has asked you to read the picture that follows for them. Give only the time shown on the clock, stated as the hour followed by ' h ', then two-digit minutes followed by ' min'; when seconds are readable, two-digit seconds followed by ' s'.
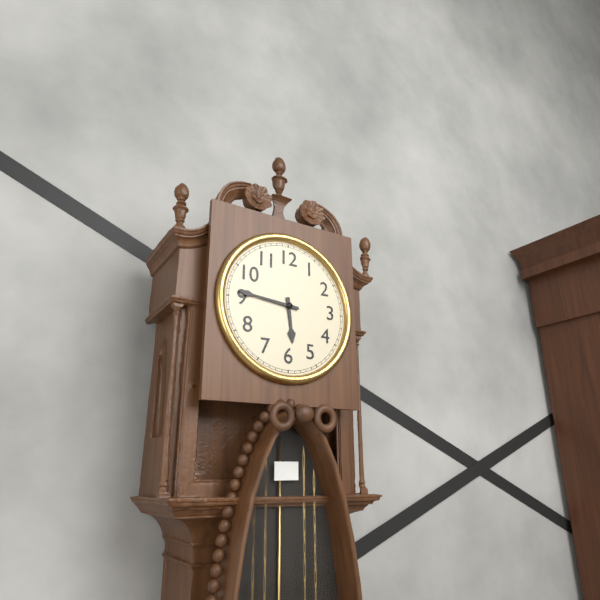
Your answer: 5 h 46 min
